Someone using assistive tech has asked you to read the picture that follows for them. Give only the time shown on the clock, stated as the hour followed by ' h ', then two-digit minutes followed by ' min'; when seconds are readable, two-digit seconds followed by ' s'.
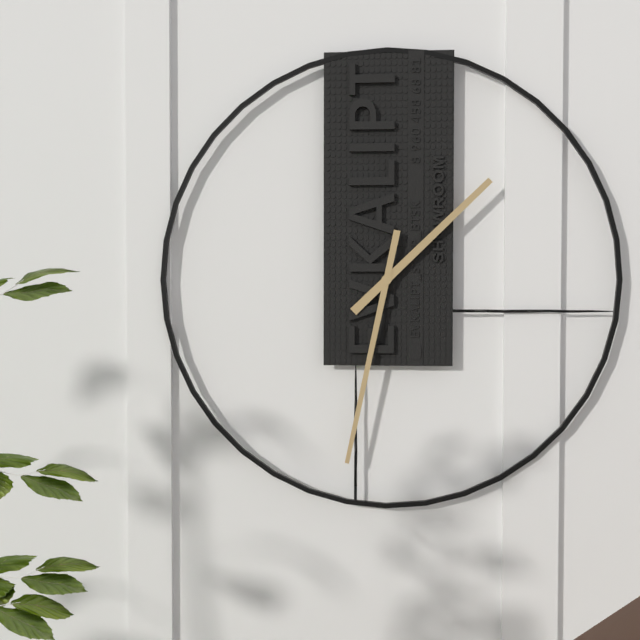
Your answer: 1 h 32 min
